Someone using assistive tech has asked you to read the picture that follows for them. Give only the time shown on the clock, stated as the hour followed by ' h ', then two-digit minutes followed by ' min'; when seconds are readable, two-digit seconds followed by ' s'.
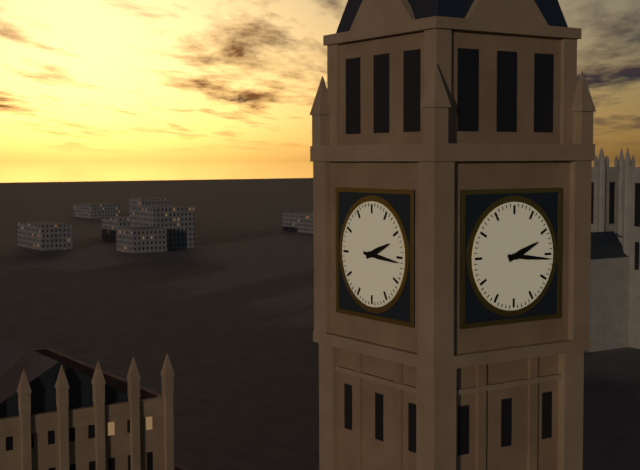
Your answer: 2 h 16 min
